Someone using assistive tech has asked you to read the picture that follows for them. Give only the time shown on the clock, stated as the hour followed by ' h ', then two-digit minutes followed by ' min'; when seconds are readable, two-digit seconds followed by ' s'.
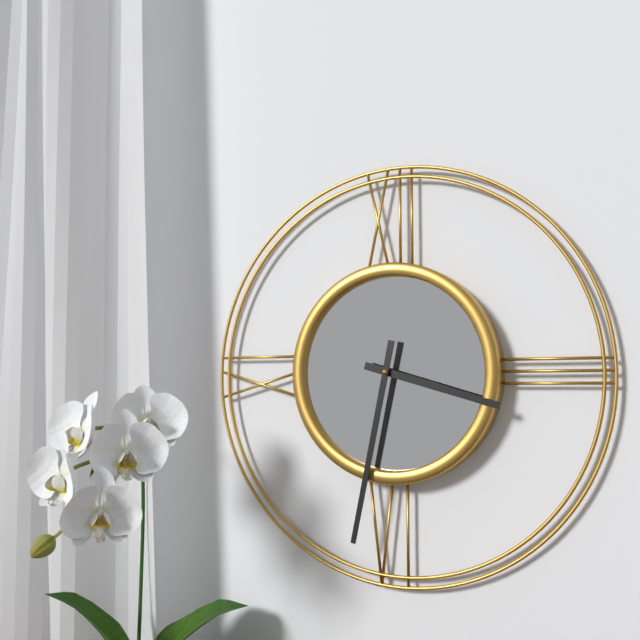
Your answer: 3 h 32 min
